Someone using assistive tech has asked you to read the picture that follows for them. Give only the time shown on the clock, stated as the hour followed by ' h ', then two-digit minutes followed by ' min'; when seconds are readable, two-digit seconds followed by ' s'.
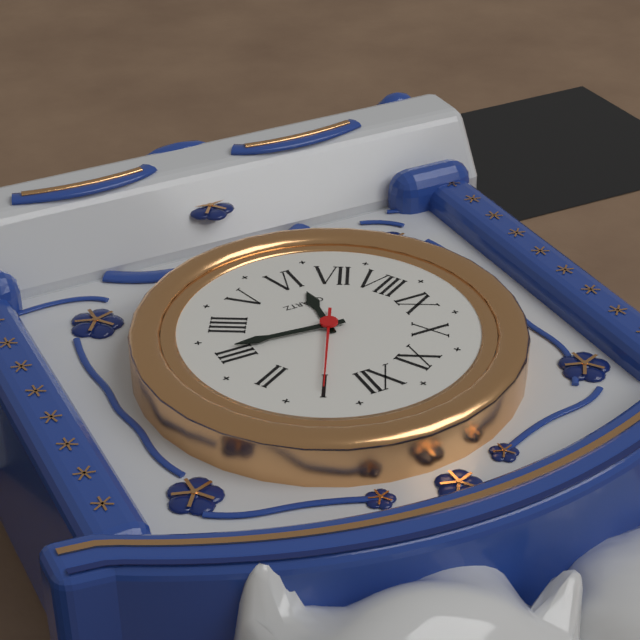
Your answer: 6 h 16 min 05 s
